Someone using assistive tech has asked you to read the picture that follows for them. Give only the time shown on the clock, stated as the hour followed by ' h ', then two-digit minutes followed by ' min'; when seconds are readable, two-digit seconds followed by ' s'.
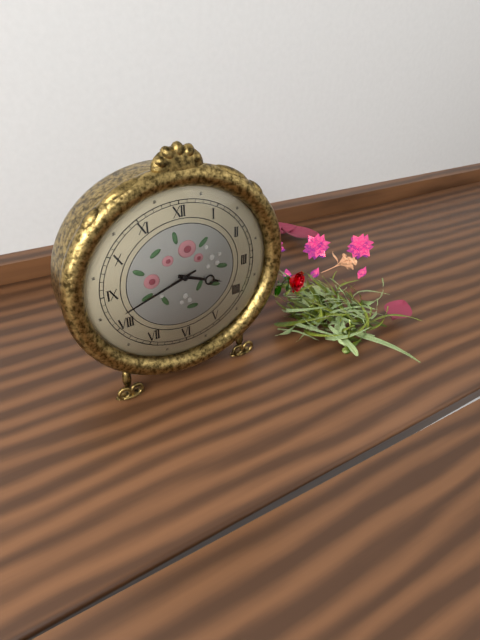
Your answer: 3 h 42 min
